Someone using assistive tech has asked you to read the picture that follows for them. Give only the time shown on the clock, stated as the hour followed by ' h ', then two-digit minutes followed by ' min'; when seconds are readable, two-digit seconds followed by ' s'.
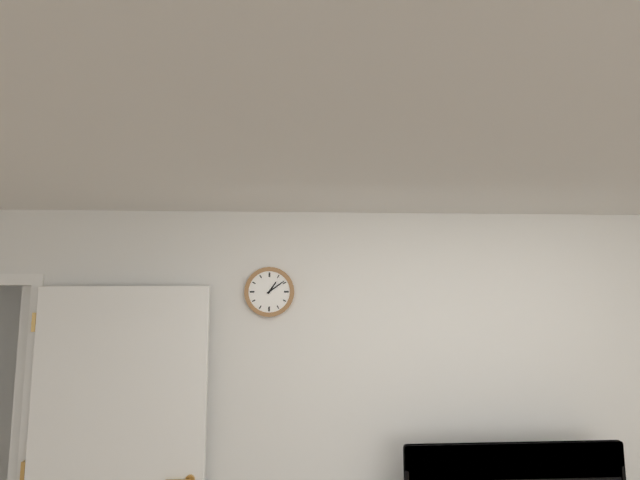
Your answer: 1 h 09 min
